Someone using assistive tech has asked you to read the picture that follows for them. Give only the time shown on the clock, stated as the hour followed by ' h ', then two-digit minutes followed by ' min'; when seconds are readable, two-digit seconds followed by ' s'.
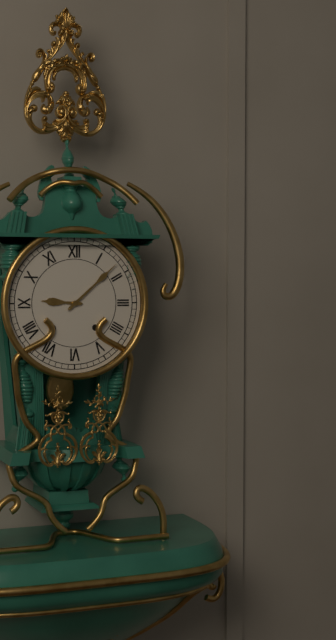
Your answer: 9 h 08 min
